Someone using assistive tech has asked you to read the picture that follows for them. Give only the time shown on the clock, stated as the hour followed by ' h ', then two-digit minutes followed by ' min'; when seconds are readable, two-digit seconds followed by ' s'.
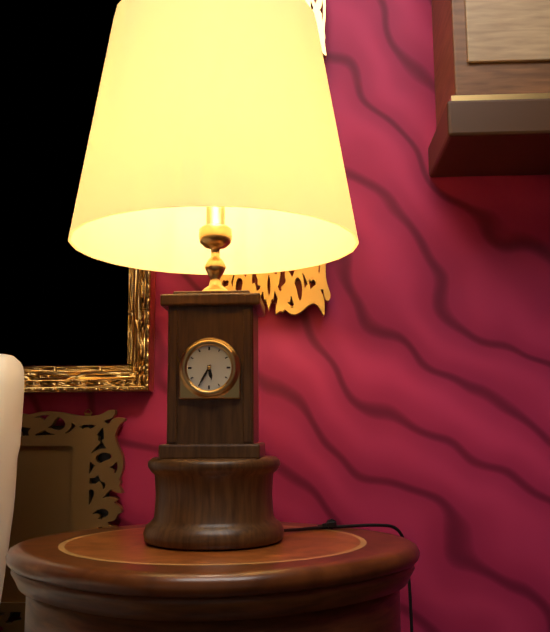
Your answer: 5 h 35 min
